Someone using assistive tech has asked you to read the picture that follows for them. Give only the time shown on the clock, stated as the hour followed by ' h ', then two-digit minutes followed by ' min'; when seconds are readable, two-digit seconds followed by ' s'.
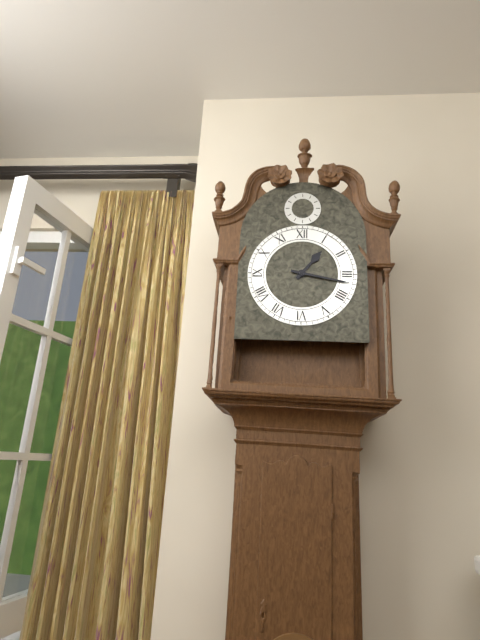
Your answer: 1 h 17 min
